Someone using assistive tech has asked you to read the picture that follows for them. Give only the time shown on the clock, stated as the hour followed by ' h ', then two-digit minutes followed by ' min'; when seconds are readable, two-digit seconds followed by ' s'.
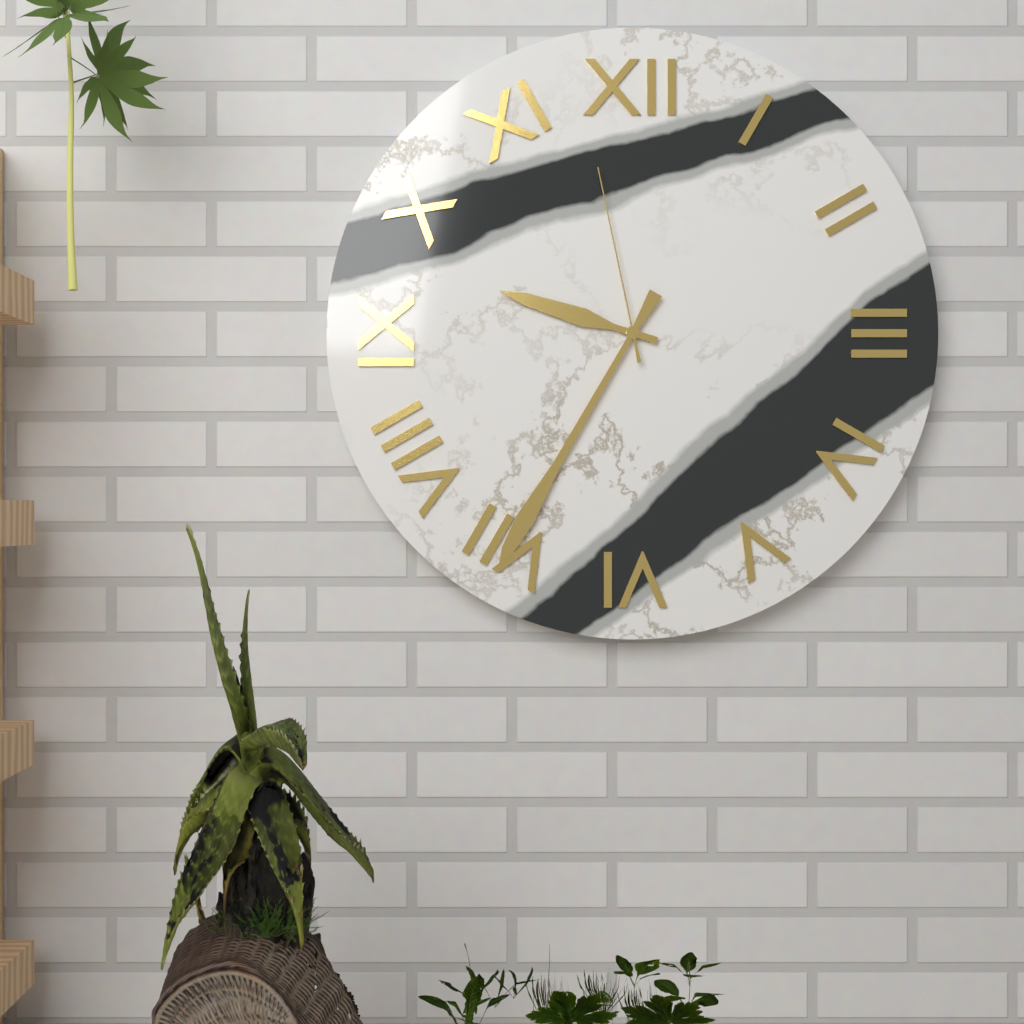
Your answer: 9 h 35 min 58 s
